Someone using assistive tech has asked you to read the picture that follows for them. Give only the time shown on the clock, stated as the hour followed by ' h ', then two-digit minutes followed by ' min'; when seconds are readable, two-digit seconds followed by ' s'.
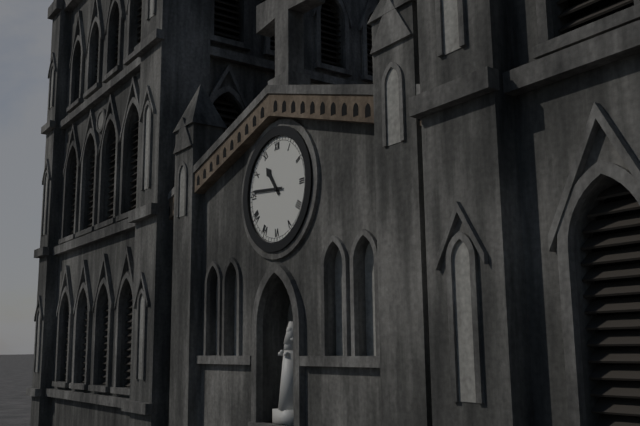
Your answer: 10 h 46 min
